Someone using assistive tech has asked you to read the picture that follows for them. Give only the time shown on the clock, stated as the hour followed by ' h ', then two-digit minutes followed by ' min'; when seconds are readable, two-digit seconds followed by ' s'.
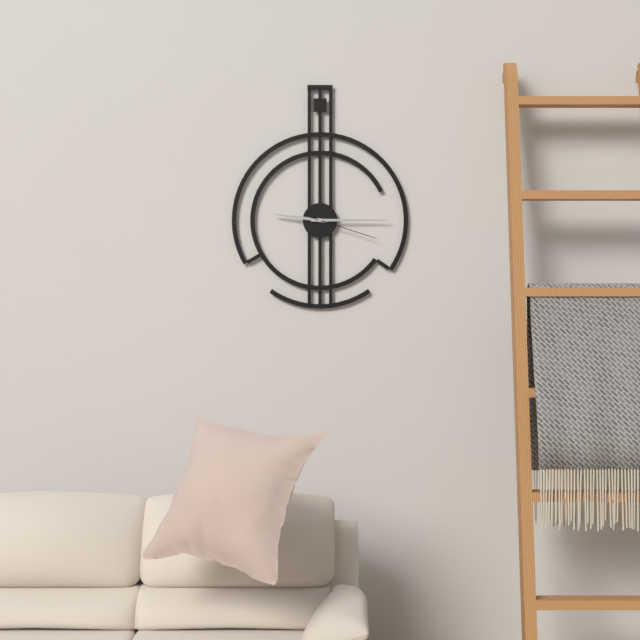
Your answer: 9 h 15 min 18 s
